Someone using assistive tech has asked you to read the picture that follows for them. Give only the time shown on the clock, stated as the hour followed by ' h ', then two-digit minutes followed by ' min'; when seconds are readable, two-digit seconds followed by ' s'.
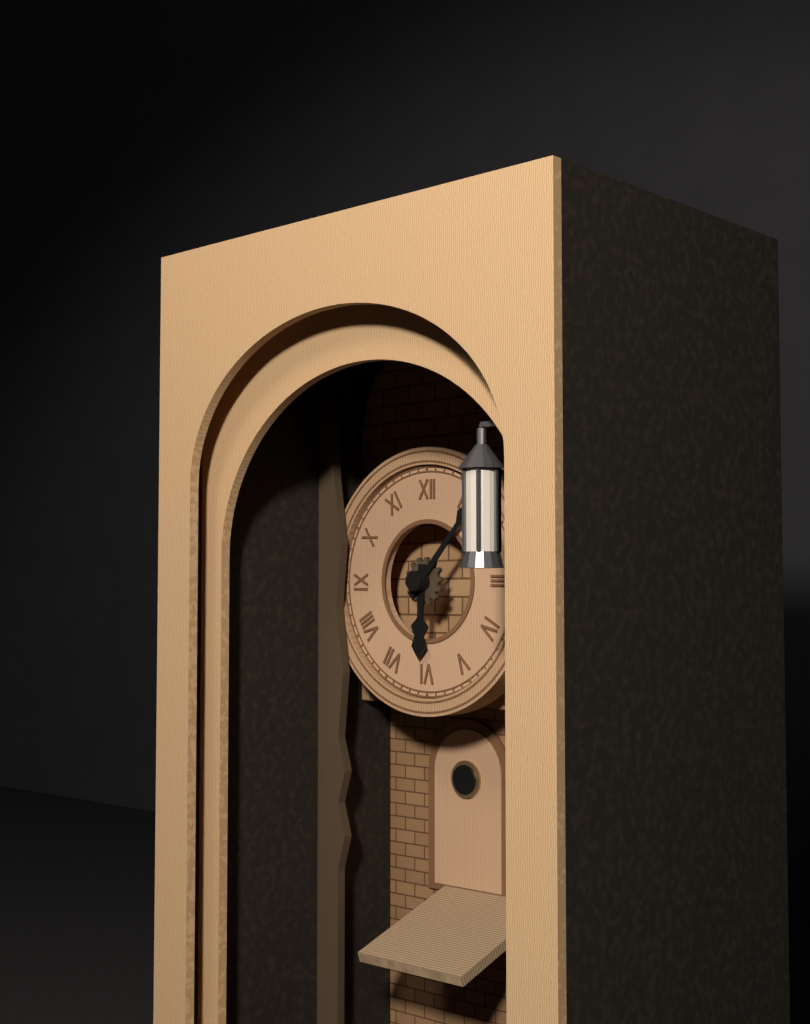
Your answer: 6 h 07 min
